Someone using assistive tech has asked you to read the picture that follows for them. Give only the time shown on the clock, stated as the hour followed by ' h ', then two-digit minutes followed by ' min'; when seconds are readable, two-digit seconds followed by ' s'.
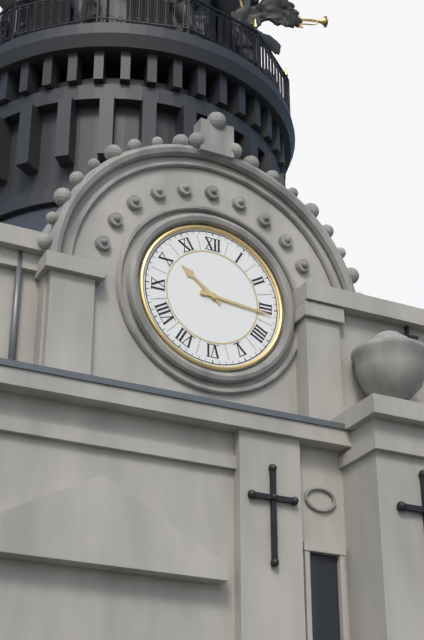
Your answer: 10 h 16 min
